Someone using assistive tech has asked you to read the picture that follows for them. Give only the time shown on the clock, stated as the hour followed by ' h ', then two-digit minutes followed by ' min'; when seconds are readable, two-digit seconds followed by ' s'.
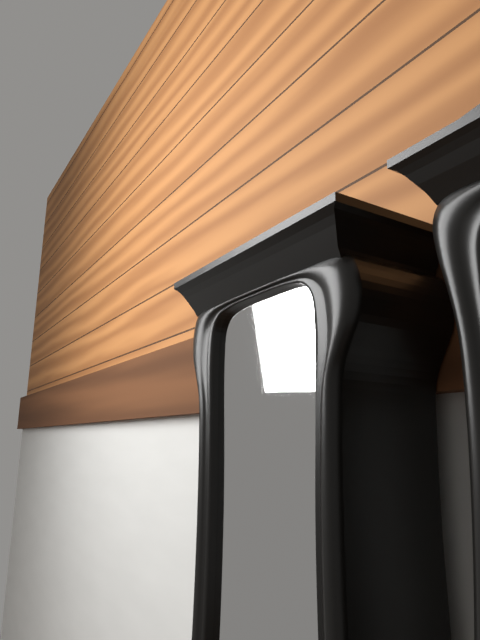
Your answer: 7 h 29 min
